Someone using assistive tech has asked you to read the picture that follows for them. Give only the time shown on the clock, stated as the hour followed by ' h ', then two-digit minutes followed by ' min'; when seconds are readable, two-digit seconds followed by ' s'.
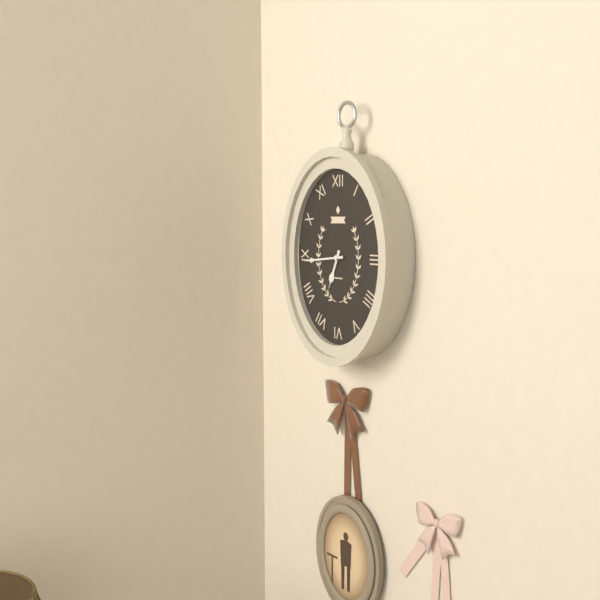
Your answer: 6 h 44 min
